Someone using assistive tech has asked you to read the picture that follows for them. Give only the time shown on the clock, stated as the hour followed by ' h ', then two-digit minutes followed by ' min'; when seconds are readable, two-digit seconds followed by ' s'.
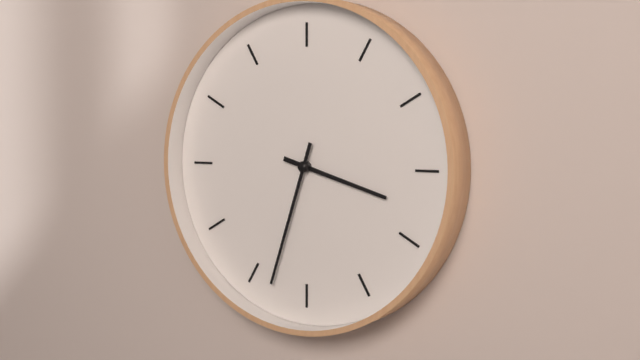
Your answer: 3 h 33 min
